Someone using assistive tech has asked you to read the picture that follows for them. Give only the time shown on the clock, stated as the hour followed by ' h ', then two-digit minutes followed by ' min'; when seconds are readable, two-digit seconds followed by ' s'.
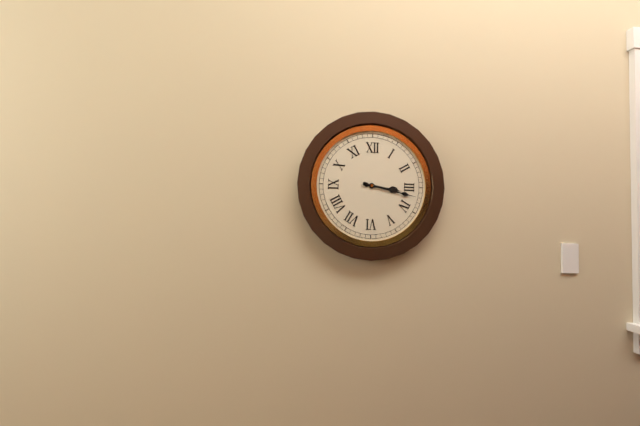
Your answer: 3 h 17 min
